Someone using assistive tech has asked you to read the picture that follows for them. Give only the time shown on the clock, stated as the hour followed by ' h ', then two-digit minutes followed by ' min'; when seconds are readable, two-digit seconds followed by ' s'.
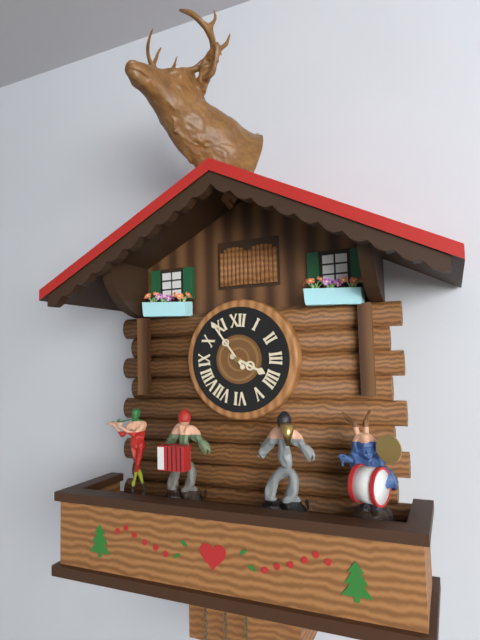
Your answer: 3 h 54 min
